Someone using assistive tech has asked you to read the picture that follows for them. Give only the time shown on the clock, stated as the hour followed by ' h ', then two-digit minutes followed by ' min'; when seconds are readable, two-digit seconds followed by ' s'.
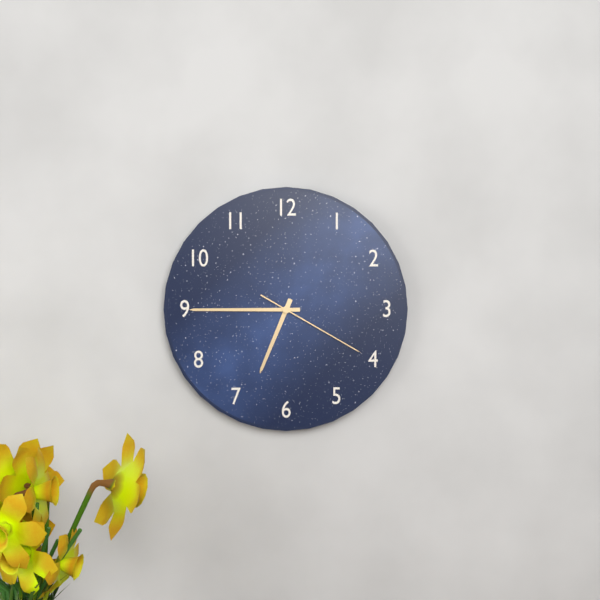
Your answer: 6 h 45 min 20 s
